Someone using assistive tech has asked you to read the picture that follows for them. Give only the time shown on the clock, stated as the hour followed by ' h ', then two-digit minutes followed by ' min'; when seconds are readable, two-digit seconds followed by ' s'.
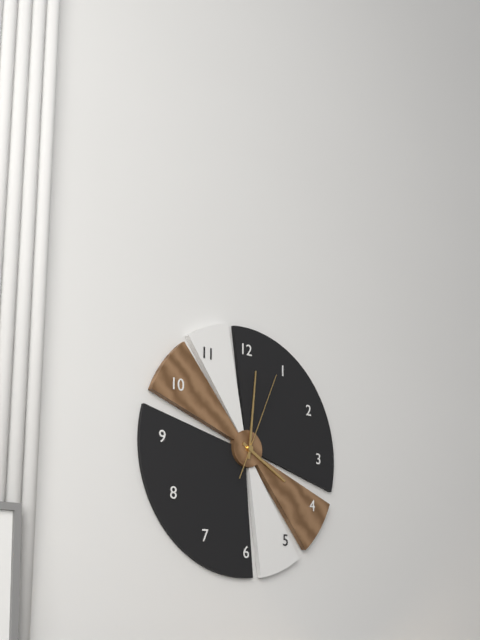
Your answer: 4 h 01 min 04 s
